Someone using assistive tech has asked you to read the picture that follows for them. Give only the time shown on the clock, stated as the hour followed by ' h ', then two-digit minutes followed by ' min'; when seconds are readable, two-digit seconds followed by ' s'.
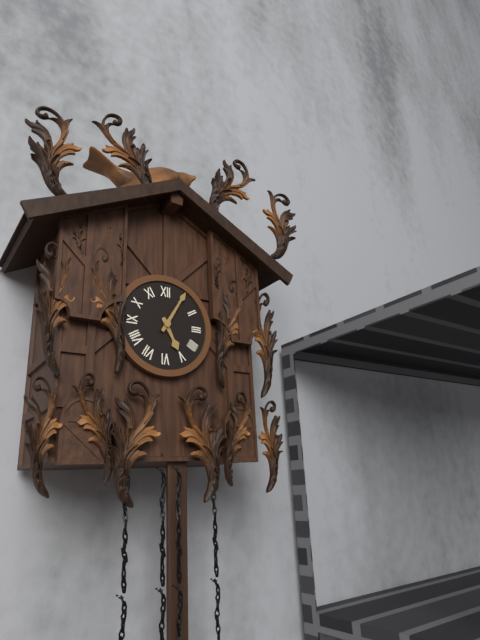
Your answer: 5 h 05 min
